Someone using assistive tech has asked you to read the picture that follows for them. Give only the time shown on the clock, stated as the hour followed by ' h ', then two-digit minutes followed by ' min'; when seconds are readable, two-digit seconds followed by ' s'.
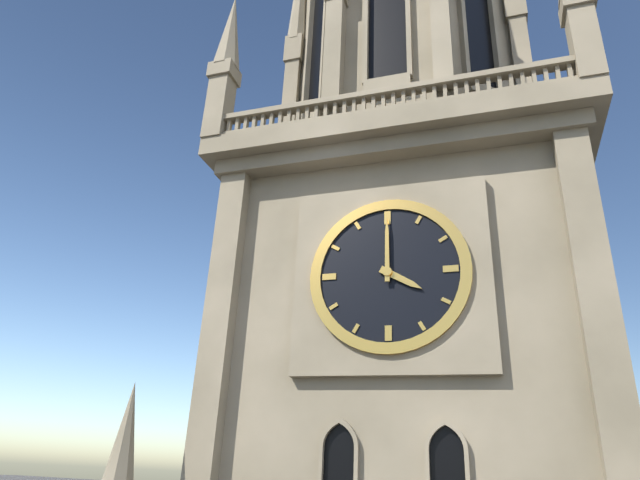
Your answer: 4 h 00 min
